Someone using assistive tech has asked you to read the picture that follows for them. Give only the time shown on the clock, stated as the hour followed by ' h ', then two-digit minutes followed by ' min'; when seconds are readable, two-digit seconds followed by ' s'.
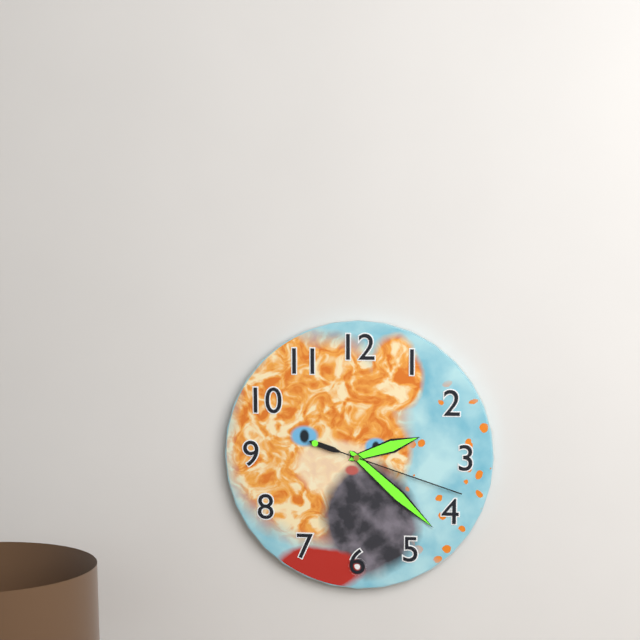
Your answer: 2 h 22 min 18 s
